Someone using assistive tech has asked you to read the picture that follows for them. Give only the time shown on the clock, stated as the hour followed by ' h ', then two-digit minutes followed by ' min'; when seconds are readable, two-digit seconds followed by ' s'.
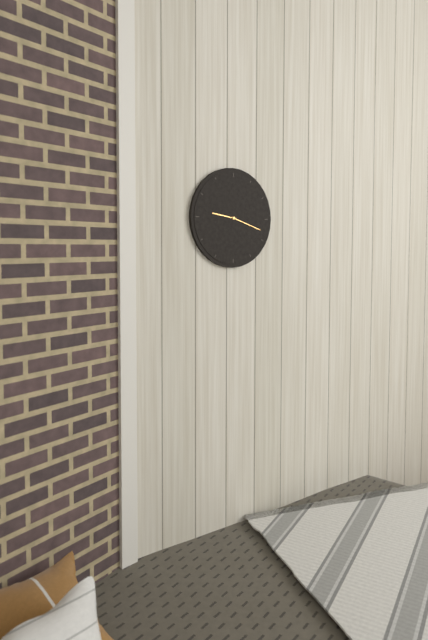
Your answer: 9 h 18 min
